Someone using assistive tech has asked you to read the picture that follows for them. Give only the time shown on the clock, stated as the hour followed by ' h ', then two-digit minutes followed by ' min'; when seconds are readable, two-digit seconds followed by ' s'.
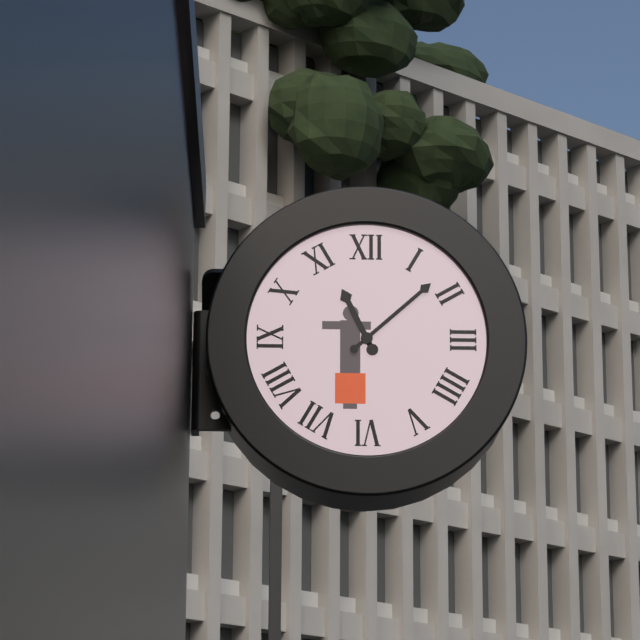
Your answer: 11 h 08 min
